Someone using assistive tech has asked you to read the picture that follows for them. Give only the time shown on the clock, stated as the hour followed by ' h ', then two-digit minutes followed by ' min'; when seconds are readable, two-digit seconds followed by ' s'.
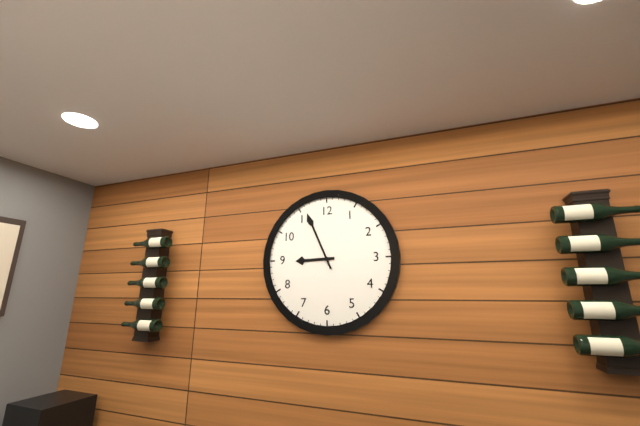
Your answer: 8 h 56 min
